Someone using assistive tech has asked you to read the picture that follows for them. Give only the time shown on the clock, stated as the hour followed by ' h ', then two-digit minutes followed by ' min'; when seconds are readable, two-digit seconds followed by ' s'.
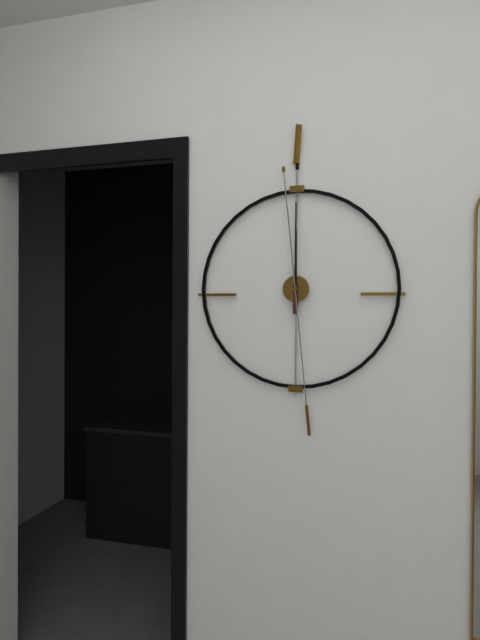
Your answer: 12 h 00 min 29 s
